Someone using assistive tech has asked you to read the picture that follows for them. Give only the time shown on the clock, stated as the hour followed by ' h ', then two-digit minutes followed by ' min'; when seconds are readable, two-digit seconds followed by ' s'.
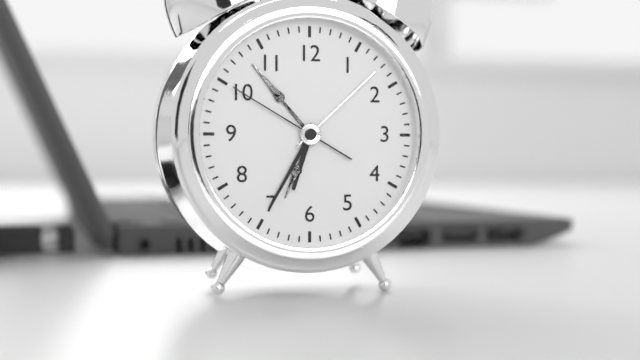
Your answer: 6 h 35 min 50 s
